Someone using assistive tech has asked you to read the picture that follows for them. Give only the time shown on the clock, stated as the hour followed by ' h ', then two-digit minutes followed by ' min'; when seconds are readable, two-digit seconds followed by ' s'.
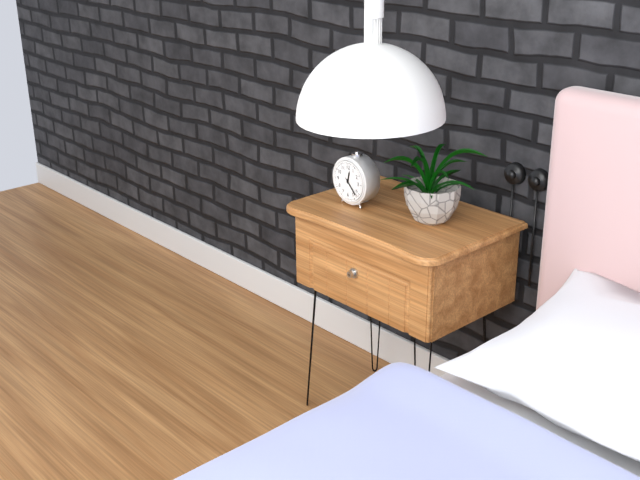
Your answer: 12 h 23 min
